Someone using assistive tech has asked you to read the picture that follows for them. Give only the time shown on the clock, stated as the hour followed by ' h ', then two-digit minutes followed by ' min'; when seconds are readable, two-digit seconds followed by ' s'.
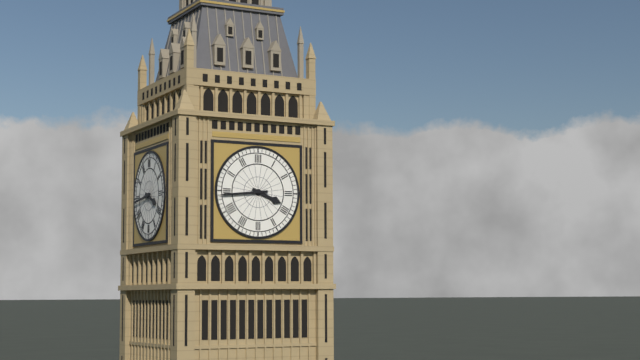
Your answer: 3 h 44 min
